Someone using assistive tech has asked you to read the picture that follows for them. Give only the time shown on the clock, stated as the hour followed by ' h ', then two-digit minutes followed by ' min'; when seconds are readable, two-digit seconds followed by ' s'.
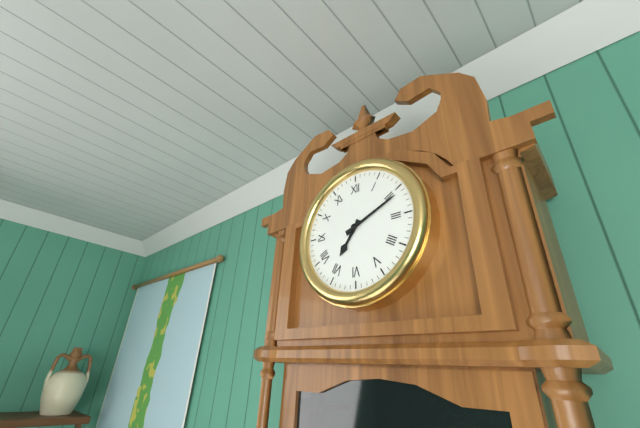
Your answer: 7 h 11 min
